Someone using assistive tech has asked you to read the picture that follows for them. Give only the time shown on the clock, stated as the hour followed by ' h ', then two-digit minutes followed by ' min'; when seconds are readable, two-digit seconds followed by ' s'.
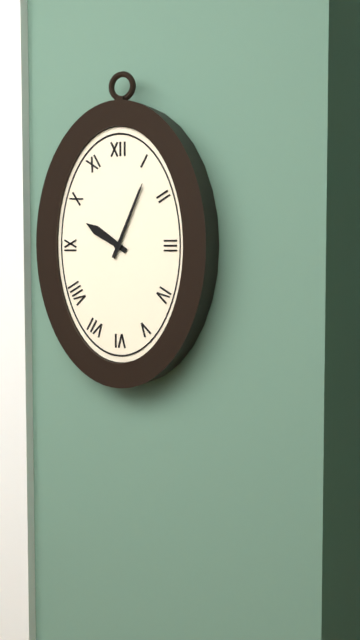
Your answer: 10 h 04 min
